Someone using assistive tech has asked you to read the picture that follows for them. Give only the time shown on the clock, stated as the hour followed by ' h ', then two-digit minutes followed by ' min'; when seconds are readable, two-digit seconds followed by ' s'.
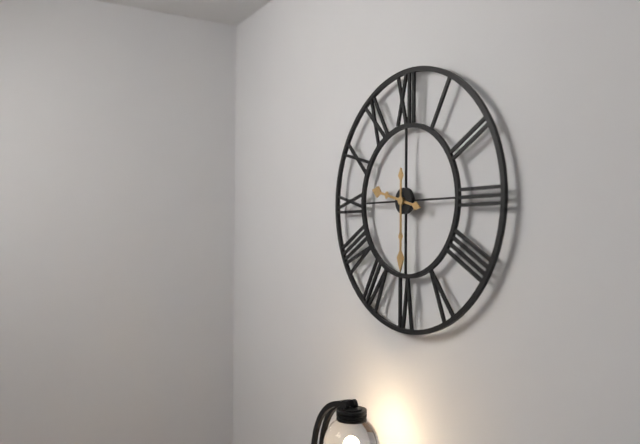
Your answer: 9 h 30 min
